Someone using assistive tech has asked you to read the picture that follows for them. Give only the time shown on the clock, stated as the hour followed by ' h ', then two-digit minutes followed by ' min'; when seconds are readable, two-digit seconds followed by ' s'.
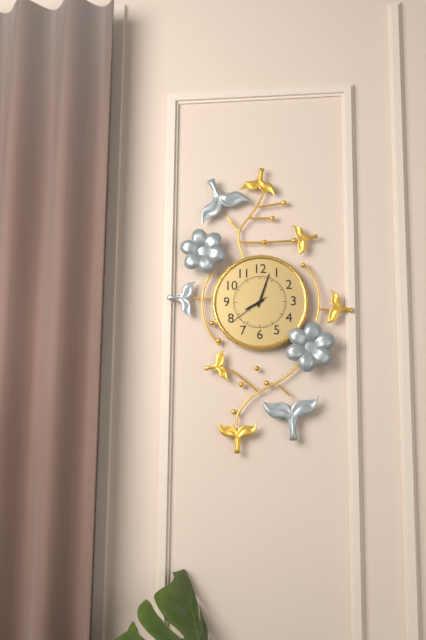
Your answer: 8 h 03 min
